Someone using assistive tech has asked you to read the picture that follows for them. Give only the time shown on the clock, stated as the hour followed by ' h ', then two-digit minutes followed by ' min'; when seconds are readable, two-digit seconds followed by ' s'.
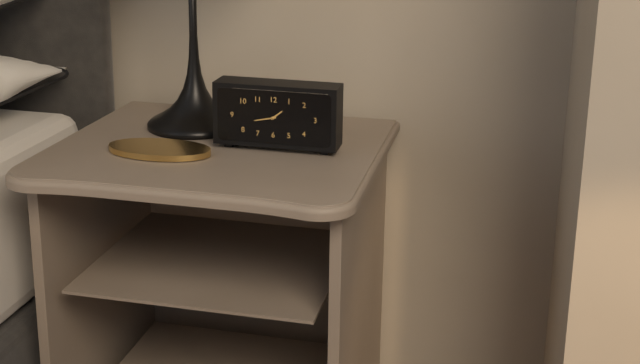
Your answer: 1 h 43 min
